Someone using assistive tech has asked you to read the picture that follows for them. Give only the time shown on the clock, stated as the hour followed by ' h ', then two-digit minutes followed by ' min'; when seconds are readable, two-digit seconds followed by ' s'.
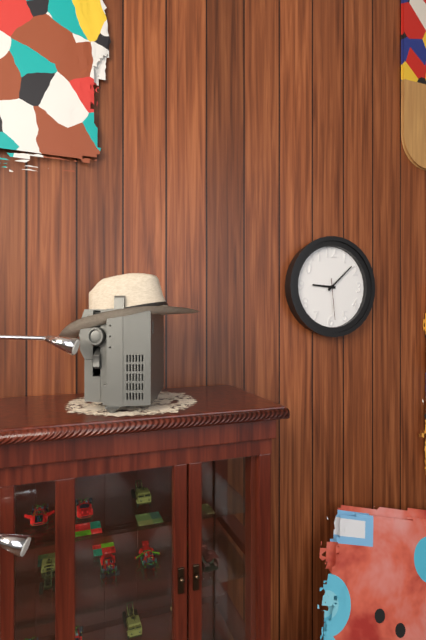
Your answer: 9 h 08 min
